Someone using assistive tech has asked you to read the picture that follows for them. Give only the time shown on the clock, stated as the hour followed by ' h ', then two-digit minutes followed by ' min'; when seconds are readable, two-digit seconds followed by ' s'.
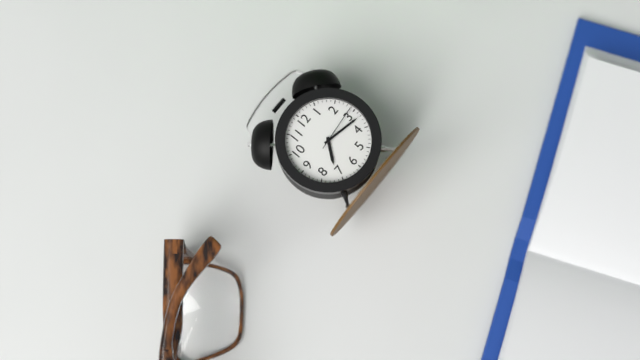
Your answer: 7 h 17 min 14 s
